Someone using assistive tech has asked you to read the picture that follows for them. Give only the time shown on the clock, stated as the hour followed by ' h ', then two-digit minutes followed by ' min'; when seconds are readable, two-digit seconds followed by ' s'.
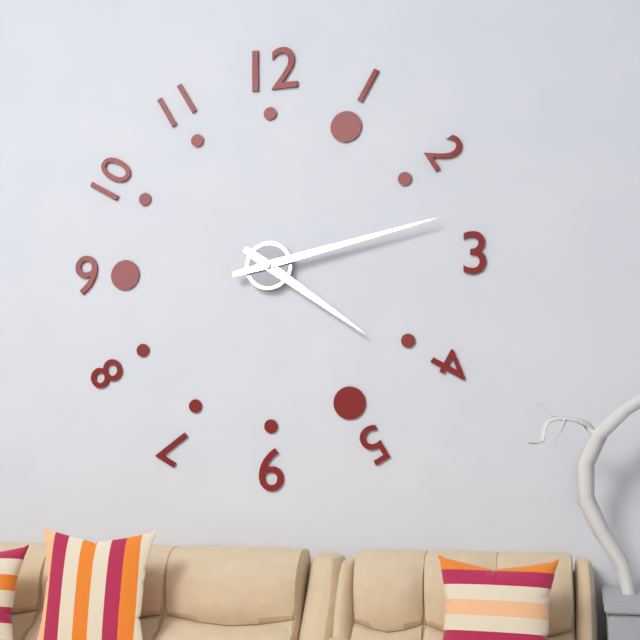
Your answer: 4 h 13 min
